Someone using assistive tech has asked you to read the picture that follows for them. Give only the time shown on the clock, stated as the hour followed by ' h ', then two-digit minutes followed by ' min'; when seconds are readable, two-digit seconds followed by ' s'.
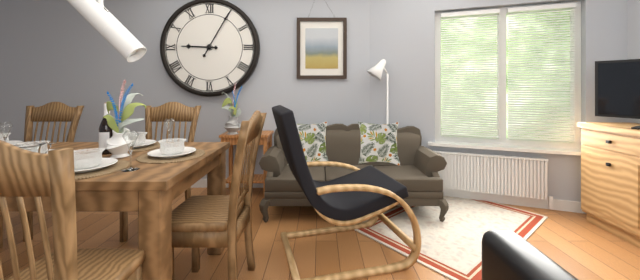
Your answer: 9 h 05 min
